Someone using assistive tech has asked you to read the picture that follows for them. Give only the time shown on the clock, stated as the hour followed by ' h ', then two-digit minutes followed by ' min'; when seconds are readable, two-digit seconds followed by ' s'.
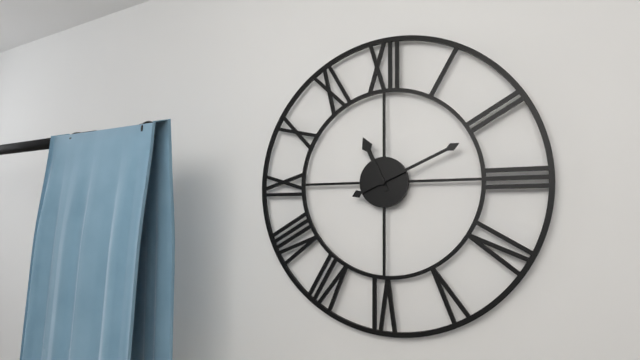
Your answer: 11 h 11 min
